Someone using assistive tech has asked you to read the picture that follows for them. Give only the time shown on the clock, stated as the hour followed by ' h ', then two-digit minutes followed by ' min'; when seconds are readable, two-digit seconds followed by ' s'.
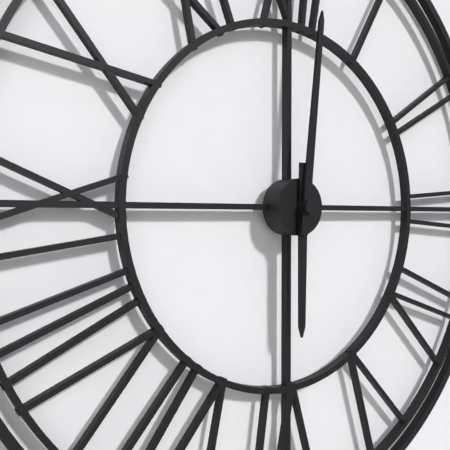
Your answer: 6 h 01 min
